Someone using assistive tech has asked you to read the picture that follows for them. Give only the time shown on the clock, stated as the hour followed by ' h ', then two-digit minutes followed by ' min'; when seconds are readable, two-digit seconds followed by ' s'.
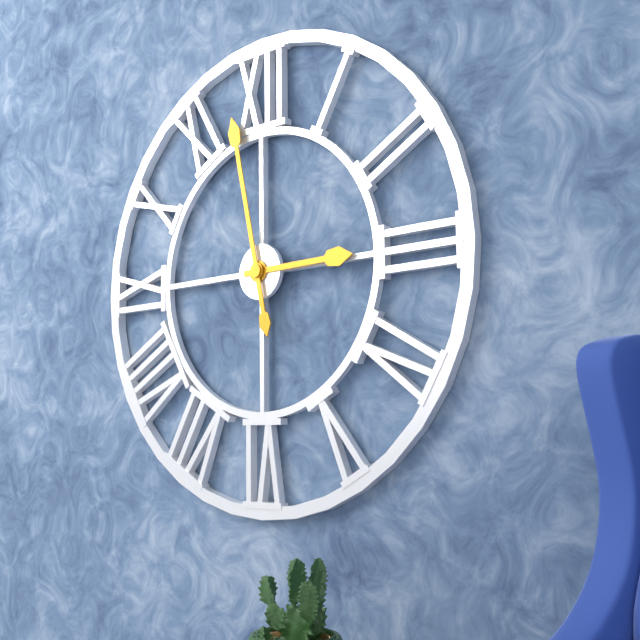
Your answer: 2 h 58 min
